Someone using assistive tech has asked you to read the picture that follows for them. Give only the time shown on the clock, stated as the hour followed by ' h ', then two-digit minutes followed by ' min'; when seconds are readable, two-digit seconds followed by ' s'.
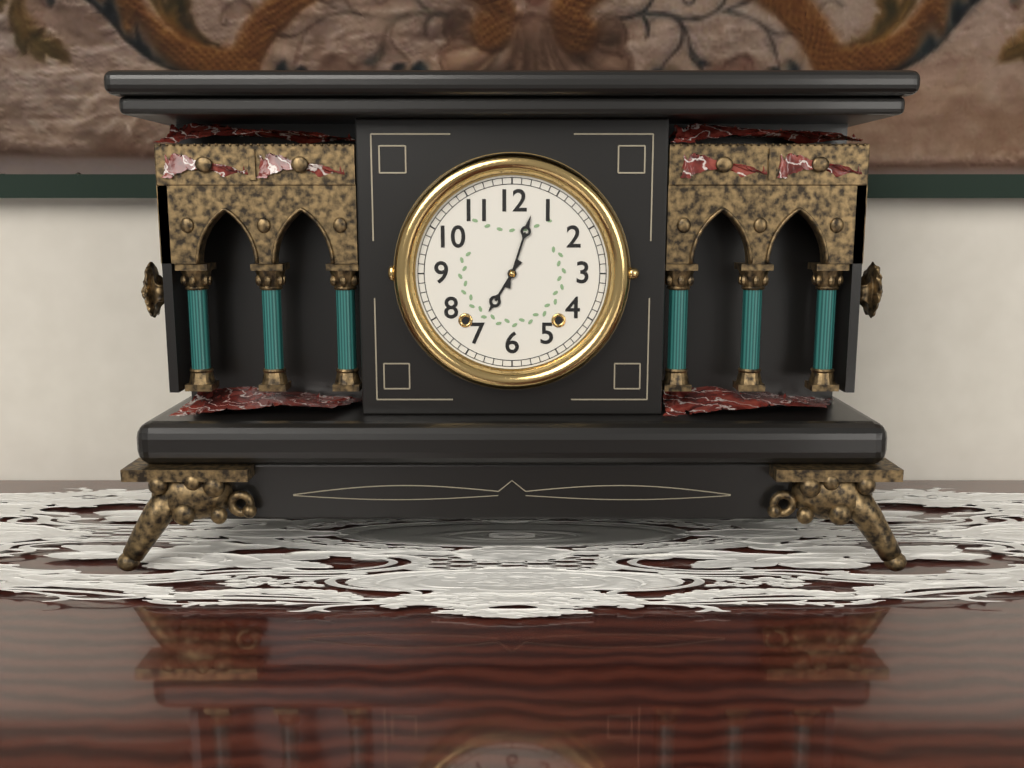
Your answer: 7 h 03 min
